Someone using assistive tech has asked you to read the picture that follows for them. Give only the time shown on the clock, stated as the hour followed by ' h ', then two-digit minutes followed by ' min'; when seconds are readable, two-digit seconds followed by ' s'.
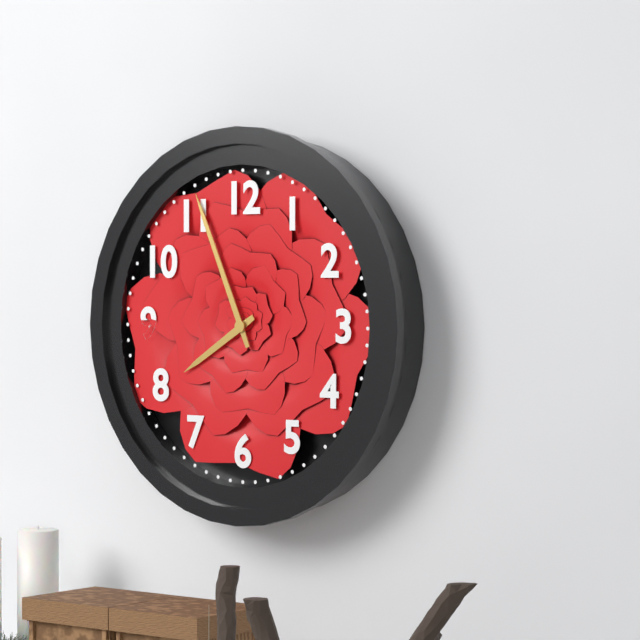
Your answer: 7 h 56 min
